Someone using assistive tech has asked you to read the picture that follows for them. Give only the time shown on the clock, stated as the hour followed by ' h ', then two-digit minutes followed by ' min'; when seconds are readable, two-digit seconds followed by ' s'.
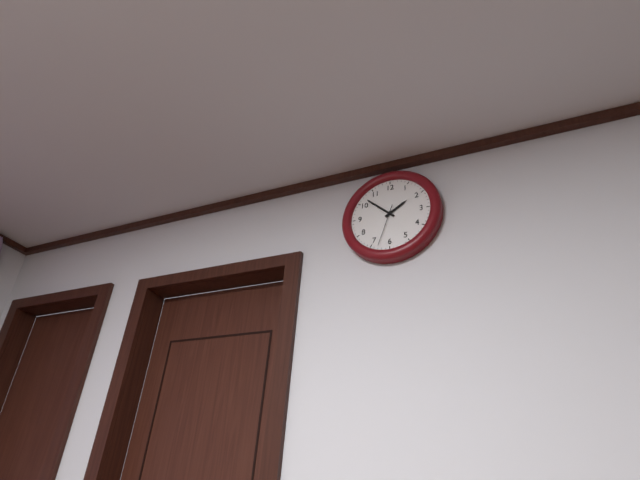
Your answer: 1 h 52 min
